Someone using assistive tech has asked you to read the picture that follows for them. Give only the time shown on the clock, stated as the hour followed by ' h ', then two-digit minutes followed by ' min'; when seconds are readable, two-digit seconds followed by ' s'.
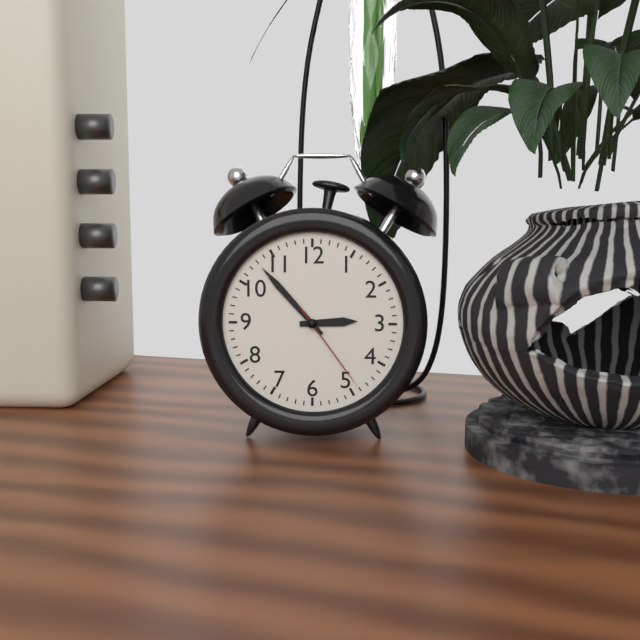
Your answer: 2 h 53 min 24 s
